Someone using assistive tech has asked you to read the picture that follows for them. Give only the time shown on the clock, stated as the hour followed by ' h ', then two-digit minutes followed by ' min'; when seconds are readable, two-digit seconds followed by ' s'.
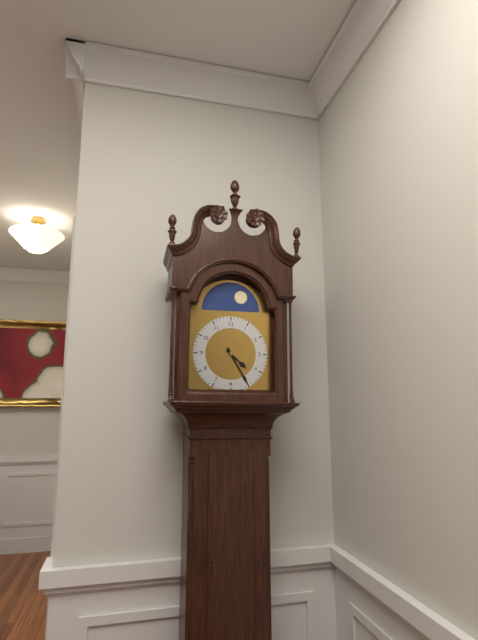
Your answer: 4 h 25 min
